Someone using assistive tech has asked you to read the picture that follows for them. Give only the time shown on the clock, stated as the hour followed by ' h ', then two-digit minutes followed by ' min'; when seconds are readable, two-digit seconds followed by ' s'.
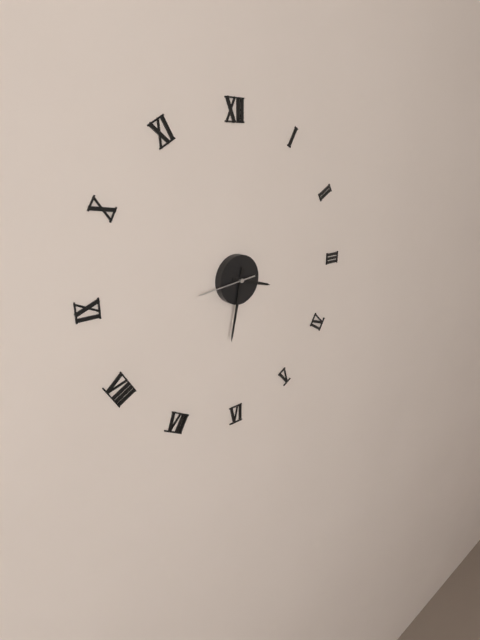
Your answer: 3 h 32 min 44 s
